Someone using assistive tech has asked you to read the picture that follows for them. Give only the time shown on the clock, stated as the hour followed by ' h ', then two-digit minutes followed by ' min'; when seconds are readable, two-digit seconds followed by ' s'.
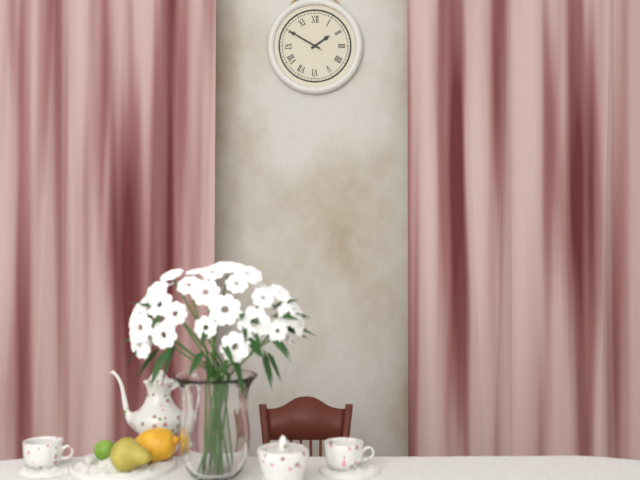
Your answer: 1 h 50 min
